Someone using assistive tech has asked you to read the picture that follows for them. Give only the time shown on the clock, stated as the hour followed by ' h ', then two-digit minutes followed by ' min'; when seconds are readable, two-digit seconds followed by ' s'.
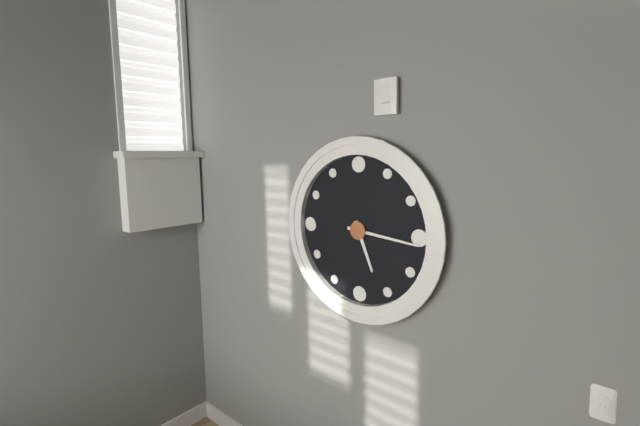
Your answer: 5 h 16 min
